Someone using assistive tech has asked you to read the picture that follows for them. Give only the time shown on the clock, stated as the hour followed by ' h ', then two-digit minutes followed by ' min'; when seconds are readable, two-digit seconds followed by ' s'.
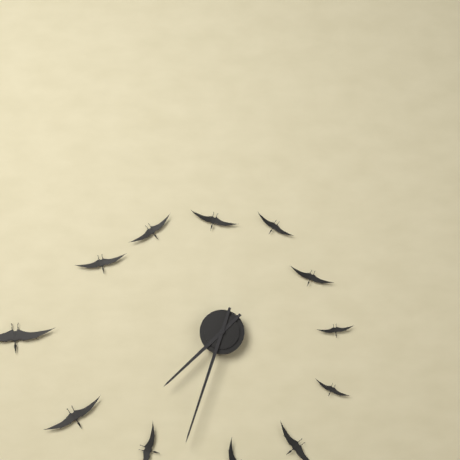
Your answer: 7 h 33 min
